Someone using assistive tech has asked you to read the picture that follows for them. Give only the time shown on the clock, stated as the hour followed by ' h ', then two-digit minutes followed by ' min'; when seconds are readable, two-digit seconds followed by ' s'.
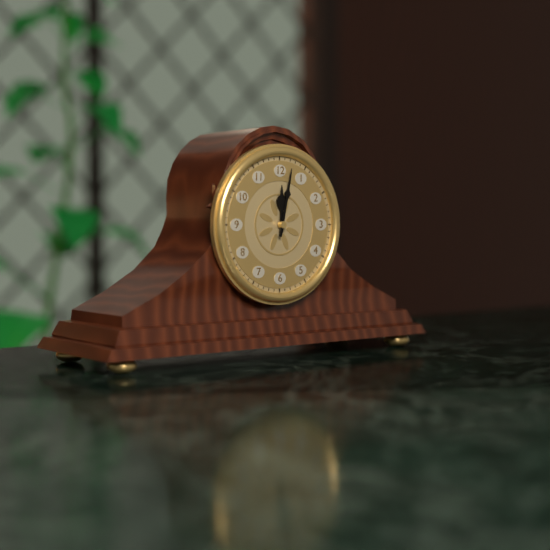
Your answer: 12 h 02 min
